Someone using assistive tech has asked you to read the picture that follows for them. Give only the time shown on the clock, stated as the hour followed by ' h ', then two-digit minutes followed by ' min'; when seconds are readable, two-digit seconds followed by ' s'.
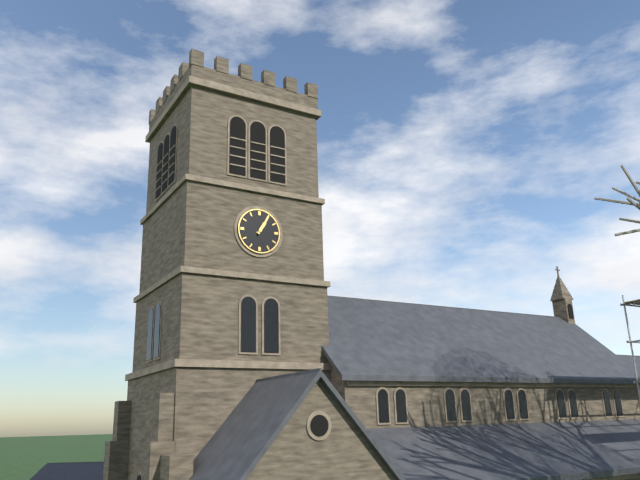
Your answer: 1 h 05 min
